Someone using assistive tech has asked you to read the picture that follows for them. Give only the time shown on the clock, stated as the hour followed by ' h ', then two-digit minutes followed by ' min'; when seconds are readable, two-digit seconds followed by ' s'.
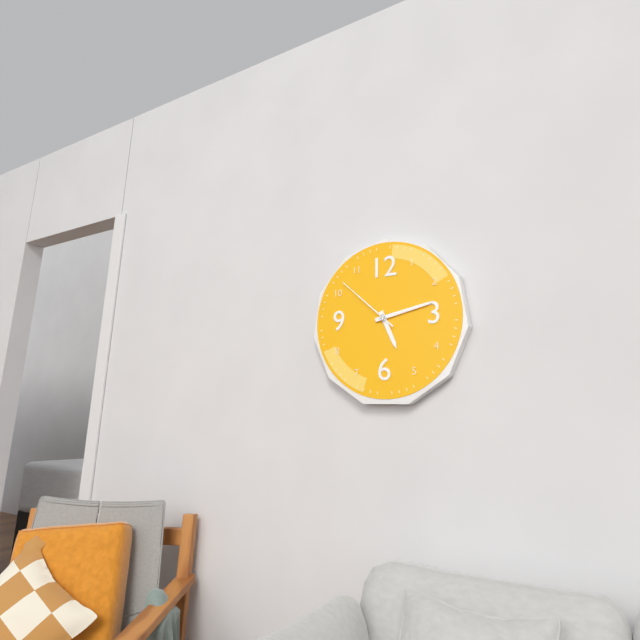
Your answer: 5 h 13 min 52 s
